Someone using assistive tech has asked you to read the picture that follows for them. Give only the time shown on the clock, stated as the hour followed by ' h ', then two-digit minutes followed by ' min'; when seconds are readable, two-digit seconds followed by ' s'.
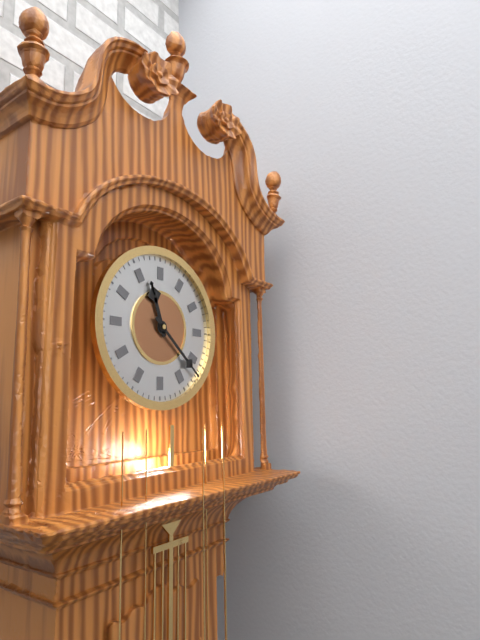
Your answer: 11 h 22 min
